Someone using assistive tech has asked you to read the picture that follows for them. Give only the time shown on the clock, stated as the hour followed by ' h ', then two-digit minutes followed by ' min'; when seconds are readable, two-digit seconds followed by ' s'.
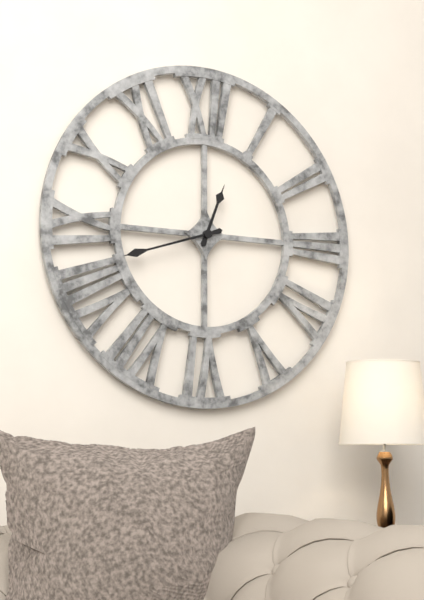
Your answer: 12 h 42 min
